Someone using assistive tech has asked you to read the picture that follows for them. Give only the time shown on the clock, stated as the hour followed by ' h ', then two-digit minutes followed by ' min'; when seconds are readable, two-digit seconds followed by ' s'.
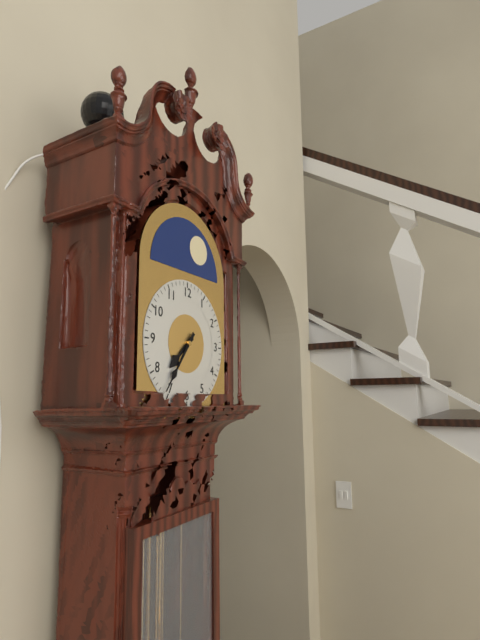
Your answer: 7 h 36 min
